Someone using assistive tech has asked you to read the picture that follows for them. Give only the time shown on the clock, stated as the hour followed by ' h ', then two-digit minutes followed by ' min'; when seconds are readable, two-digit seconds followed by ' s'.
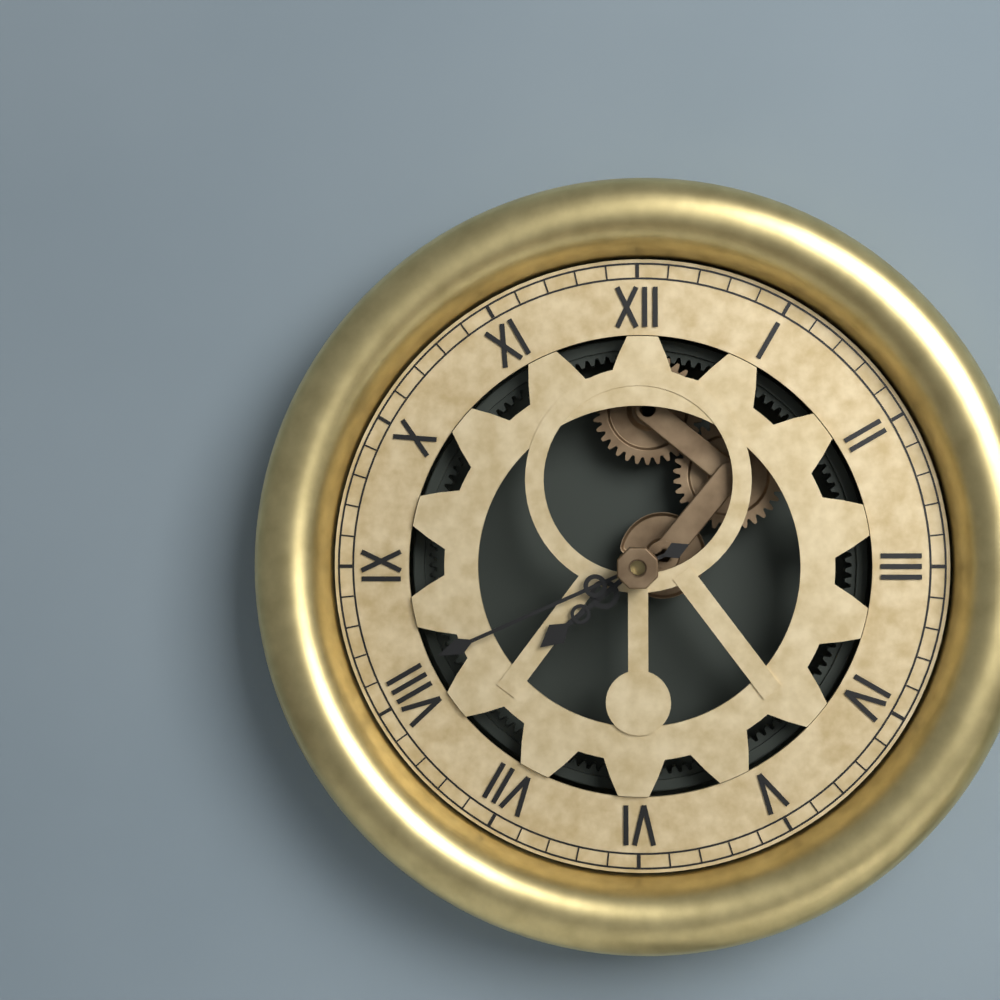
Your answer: 7 h 41 min
